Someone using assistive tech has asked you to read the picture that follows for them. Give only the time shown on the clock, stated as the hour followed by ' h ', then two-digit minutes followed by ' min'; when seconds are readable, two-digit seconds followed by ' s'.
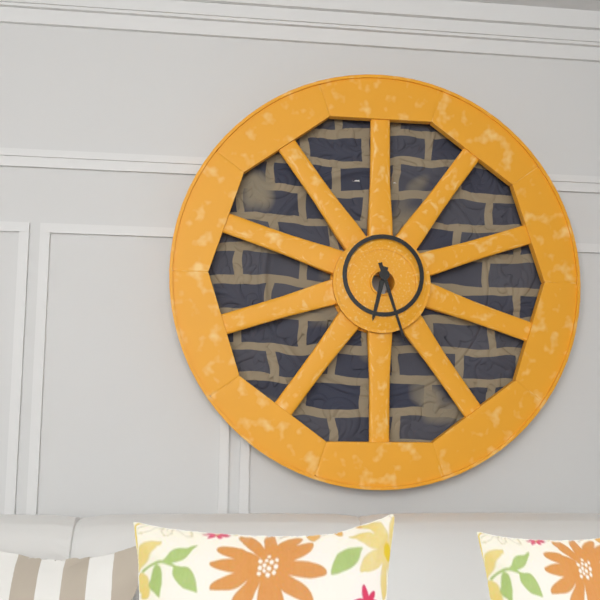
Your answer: 6 h 27 min
